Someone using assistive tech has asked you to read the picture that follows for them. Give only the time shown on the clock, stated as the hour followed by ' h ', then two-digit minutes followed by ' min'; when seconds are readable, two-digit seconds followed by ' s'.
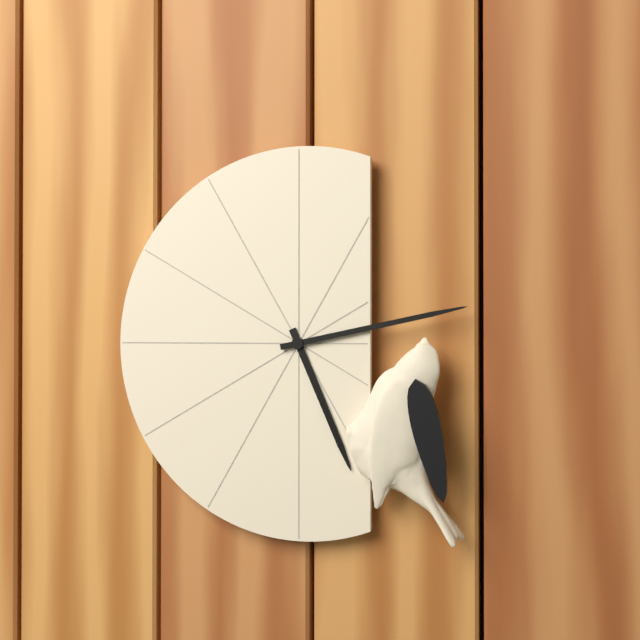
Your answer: 5 h 13 min
